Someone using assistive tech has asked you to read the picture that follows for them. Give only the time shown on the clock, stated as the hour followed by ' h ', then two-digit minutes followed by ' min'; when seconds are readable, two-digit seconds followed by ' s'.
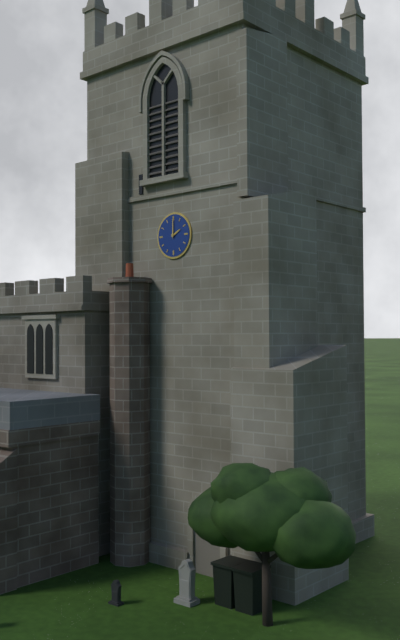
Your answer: 2 h 00 min
